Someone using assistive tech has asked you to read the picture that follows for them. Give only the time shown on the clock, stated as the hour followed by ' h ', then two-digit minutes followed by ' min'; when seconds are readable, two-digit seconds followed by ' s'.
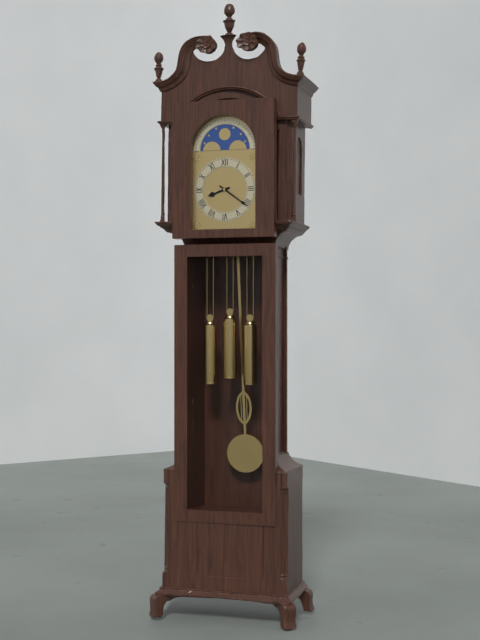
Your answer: 8 h 21 min
